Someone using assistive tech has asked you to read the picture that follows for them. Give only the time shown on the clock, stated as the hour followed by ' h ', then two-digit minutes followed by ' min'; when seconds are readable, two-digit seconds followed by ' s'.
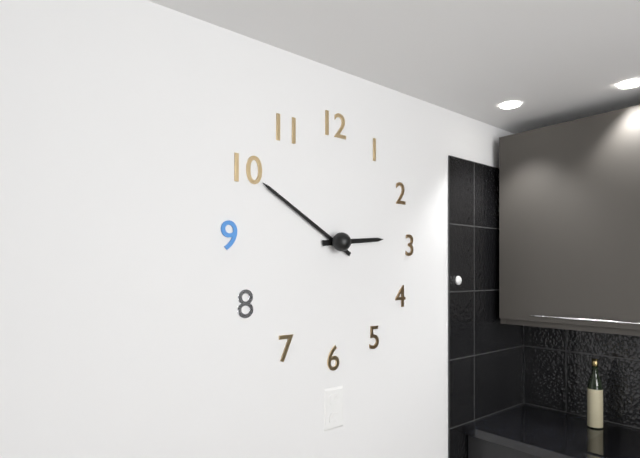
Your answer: 2 h 50 min
